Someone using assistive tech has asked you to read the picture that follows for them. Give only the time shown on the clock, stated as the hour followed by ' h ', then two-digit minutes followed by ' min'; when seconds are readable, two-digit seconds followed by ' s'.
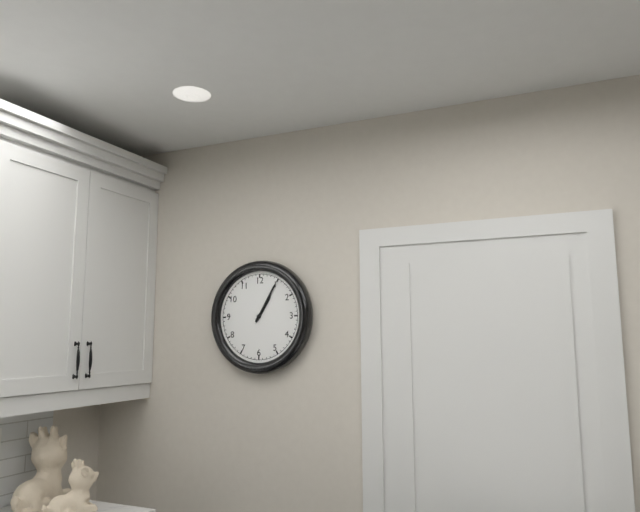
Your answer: 1 h 05 min
